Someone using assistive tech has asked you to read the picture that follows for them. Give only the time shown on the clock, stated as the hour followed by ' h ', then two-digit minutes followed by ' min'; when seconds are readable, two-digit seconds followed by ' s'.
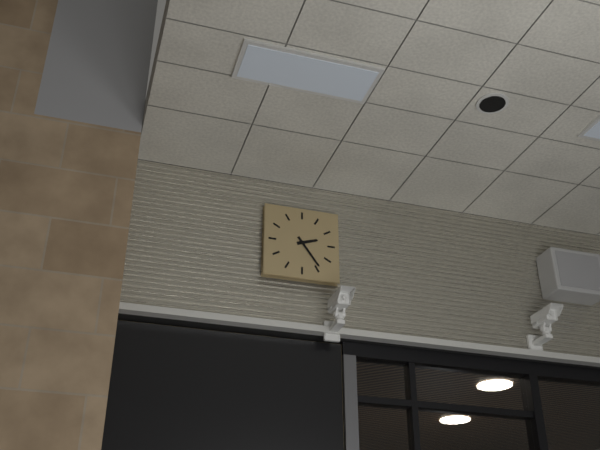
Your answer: 2 h 24 min
